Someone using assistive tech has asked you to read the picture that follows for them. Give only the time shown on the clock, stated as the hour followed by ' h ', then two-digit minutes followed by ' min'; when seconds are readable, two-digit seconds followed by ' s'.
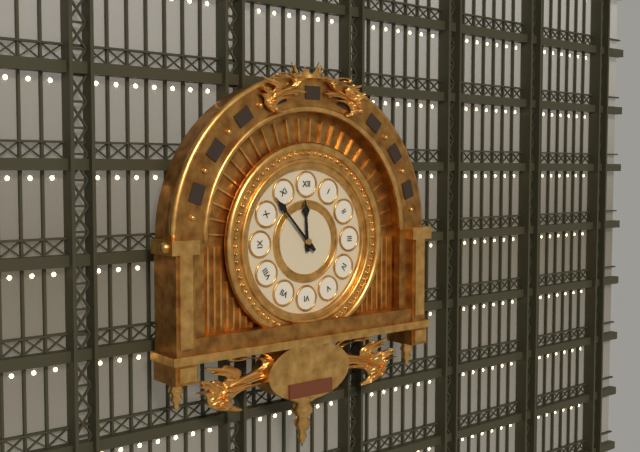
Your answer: 11 h 53 min
